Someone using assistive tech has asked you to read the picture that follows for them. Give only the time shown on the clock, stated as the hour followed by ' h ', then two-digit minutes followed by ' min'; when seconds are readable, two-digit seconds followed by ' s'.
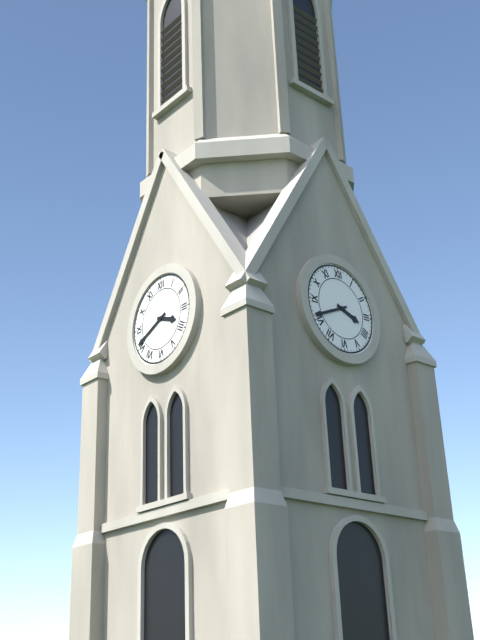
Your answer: 3 h 41 min
